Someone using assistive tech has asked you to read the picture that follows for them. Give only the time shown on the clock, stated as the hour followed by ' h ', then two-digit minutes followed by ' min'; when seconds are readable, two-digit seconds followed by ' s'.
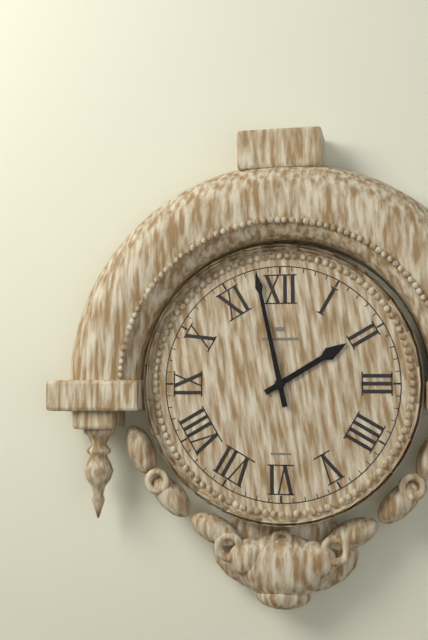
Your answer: 1 h 58 min
